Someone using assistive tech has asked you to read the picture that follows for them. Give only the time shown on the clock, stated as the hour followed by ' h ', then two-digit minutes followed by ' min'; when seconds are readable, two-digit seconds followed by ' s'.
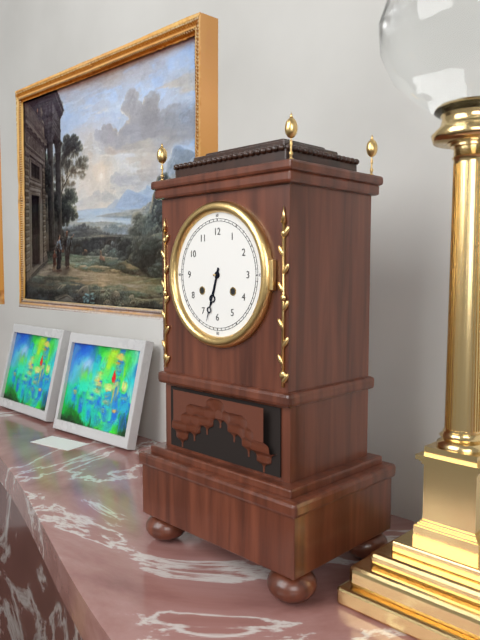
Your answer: 6 h 33 min
